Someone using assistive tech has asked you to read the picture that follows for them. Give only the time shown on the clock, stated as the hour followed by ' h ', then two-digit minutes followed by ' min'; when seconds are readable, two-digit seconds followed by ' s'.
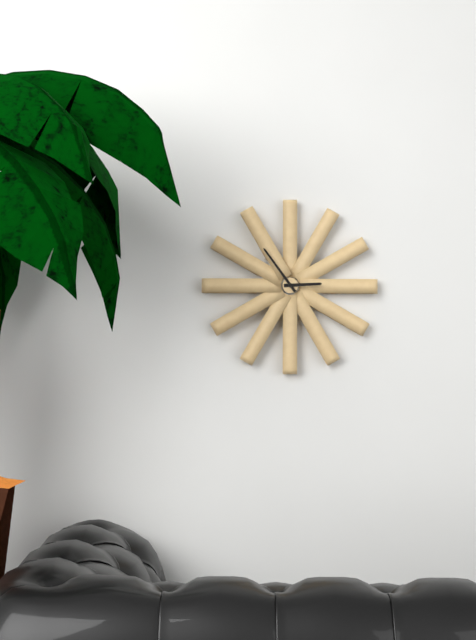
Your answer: 2 h 54 min
